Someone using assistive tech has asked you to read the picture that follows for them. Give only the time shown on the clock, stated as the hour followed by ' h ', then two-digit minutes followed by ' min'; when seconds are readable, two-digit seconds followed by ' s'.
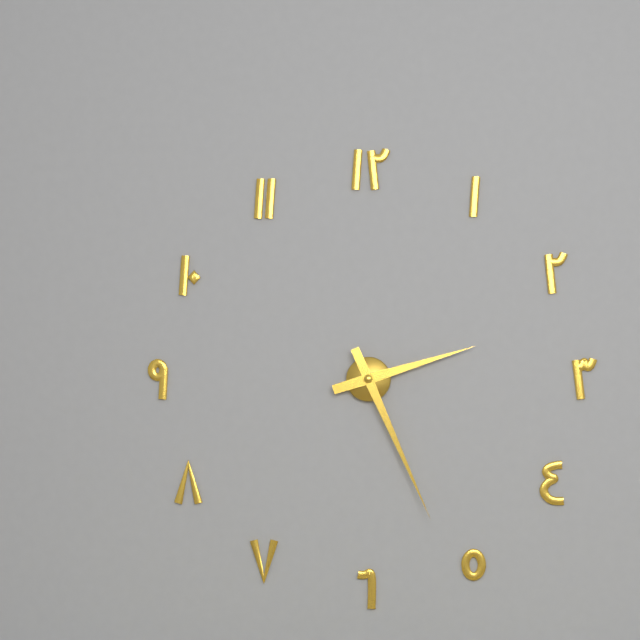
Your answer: 2 h 26 min
